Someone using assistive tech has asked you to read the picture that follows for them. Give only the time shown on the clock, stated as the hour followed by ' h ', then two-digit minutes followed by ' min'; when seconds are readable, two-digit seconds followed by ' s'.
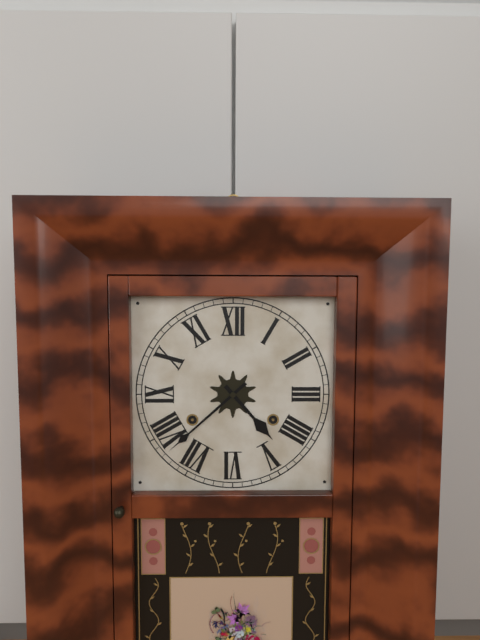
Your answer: 4 h 38 min
